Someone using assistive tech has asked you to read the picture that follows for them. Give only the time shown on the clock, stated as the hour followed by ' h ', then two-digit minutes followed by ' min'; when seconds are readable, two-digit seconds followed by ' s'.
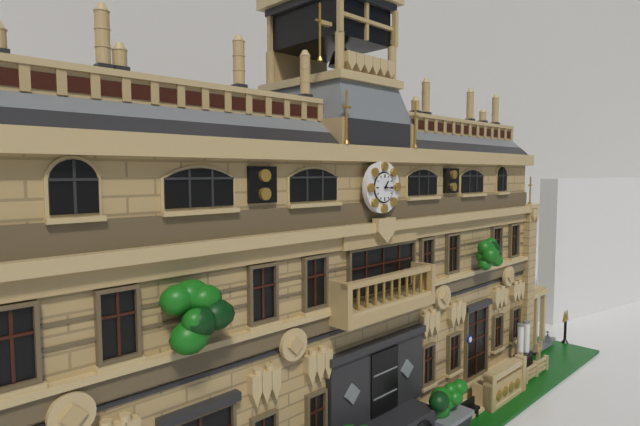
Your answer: 1 h 16 min
